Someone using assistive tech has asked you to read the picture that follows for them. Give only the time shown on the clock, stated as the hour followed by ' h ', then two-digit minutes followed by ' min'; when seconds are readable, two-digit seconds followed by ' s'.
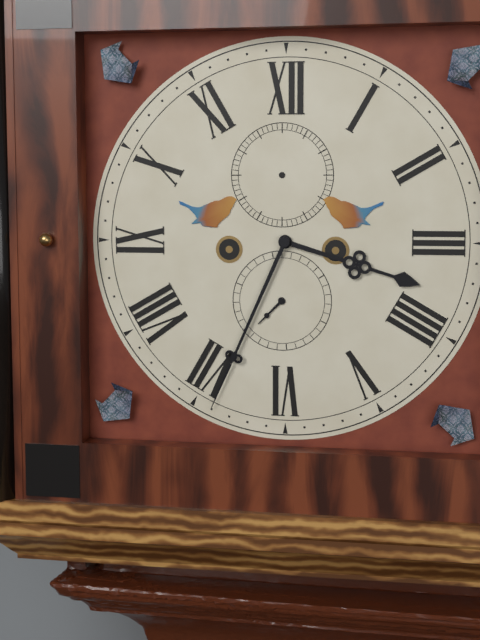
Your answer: 3 h 34 min
